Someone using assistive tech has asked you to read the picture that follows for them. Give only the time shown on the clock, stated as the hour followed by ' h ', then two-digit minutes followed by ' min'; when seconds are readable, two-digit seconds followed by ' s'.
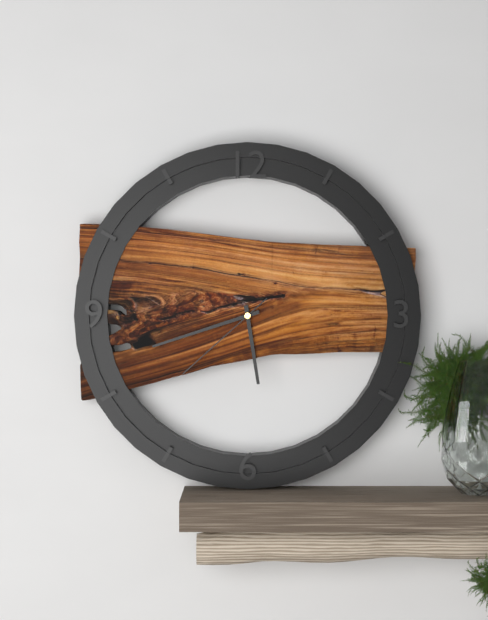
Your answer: 5 h 42 min 38 s
